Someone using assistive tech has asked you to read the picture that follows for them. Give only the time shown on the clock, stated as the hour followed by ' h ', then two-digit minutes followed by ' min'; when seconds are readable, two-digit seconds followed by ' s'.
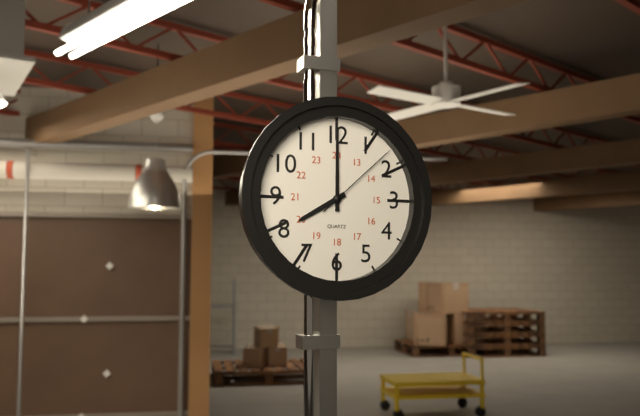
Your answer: 8 h 00 min 08 s
